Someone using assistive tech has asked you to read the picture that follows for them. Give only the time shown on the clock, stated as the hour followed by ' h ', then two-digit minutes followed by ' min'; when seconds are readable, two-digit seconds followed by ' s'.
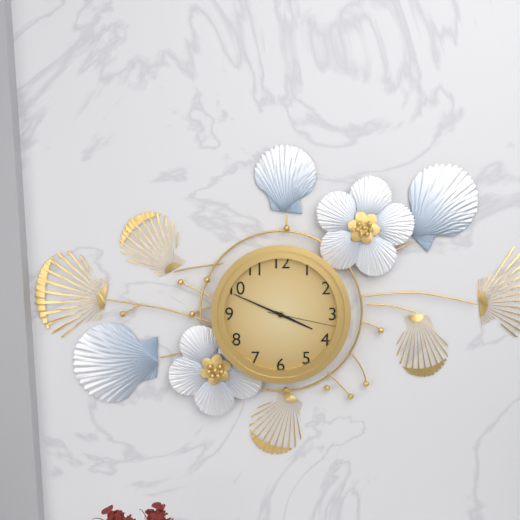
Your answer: 3 h 49 min 17 s
